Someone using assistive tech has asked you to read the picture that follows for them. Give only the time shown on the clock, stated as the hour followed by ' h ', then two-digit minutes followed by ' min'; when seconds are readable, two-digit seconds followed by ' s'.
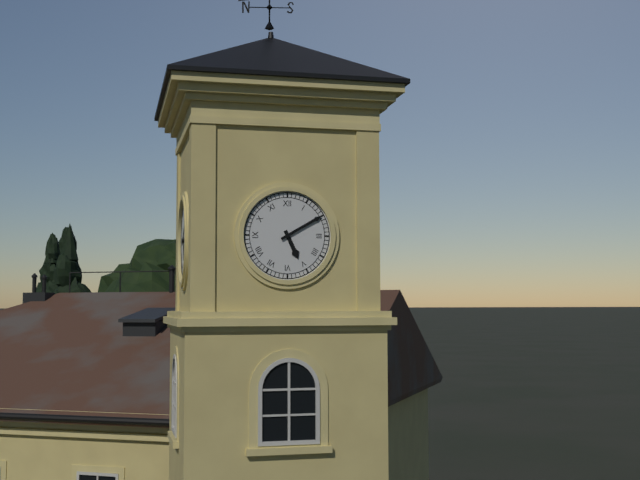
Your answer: 5 h 10 min
